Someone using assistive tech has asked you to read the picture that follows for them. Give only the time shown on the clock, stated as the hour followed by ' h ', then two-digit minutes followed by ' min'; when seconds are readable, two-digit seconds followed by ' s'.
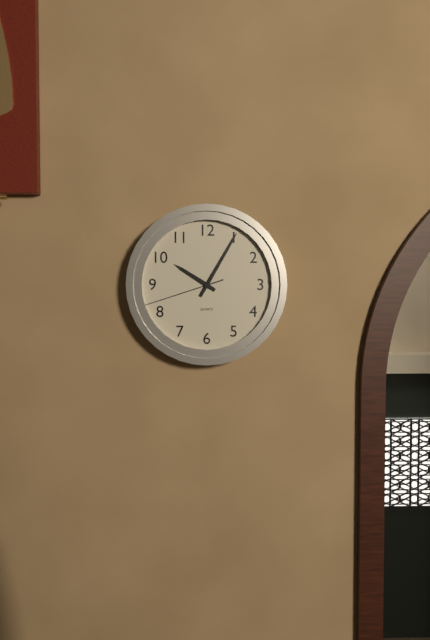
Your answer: 10 h 05 min 42 s
